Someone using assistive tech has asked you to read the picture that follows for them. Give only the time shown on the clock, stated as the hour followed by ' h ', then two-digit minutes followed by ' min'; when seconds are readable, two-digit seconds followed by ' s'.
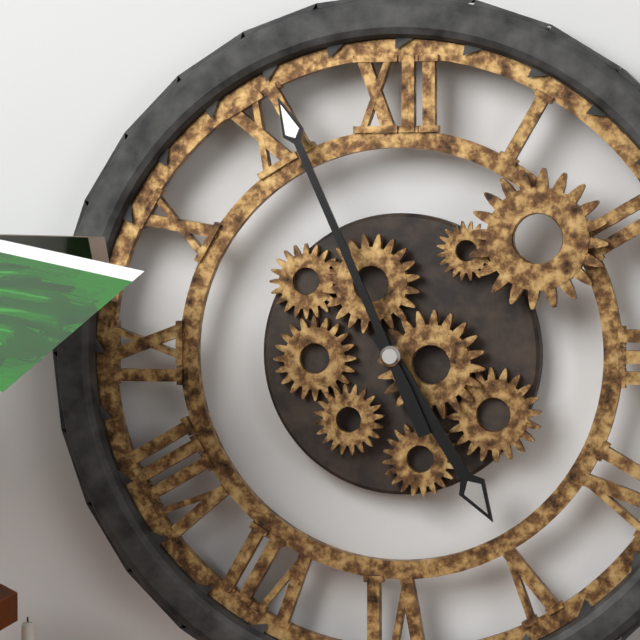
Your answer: 4 h 56 min
